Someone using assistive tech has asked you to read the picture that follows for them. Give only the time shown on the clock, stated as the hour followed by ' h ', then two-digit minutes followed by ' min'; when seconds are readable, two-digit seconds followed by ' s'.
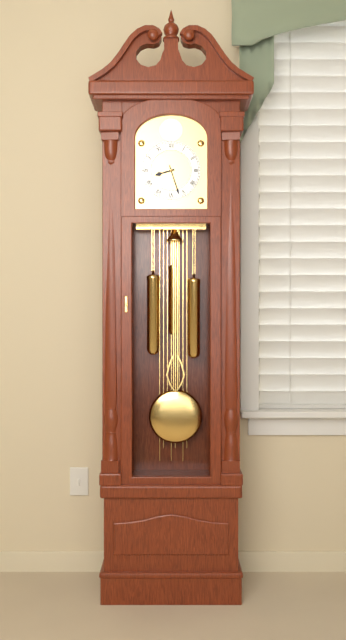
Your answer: 8 h 27 min
